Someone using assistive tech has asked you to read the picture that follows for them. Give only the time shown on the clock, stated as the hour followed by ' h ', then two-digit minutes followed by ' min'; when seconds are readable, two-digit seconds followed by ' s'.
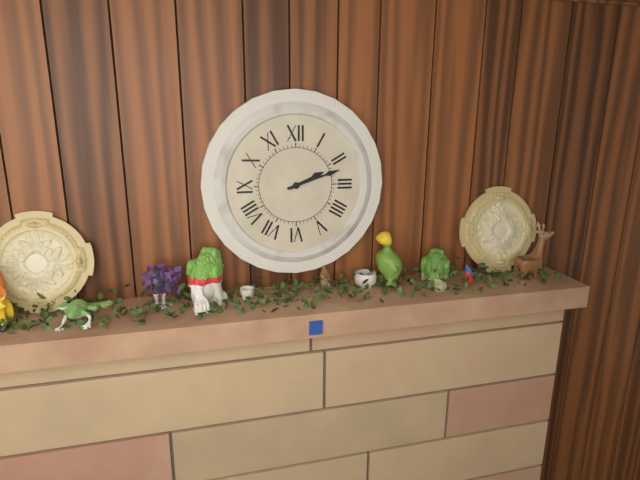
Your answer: 2 h 12 min
